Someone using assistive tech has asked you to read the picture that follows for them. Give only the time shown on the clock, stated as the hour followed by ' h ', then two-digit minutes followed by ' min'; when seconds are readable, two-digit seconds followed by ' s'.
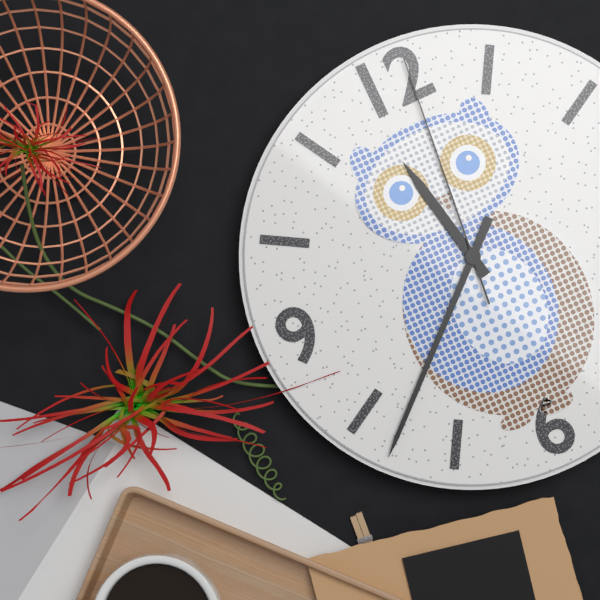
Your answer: 11 h 38 min 01 s
